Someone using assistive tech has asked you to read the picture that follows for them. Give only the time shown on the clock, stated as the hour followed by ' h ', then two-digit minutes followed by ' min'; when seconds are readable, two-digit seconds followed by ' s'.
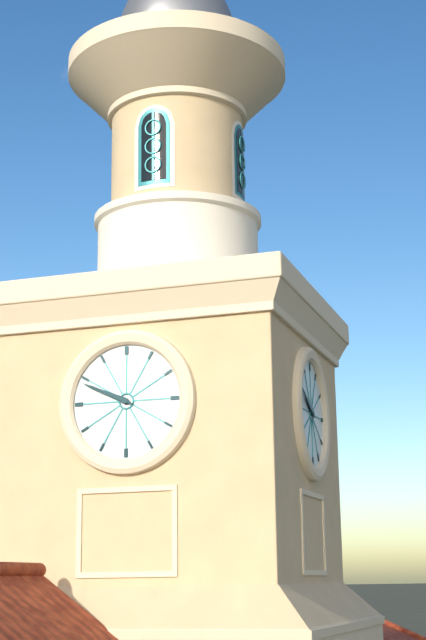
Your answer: 9 h 49 min
